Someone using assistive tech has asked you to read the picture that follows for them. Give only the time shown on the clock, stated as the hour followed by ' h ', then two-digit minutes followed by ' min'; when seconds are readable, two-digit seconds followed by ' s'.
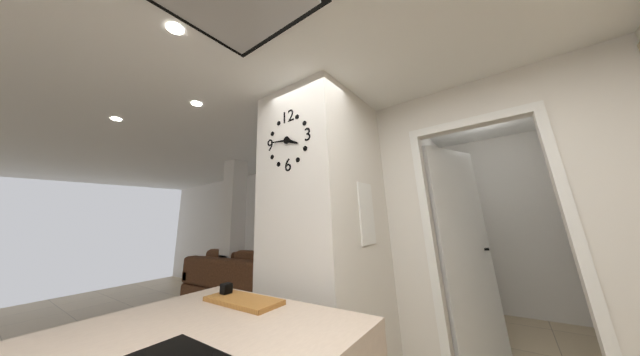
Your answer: 3 h 46 min
